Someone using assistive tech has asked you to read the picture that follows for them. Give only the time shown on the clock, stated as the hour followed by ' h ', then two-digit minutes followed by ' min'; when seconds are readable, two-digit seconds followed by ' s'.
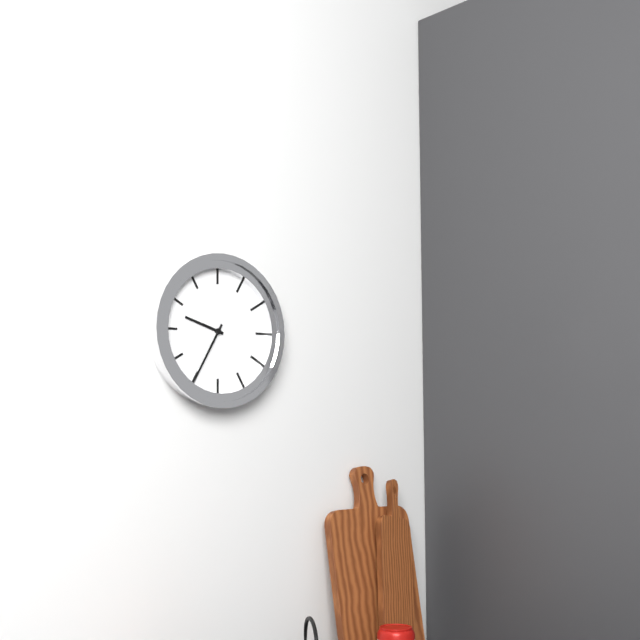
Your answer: 9 h 35 min
